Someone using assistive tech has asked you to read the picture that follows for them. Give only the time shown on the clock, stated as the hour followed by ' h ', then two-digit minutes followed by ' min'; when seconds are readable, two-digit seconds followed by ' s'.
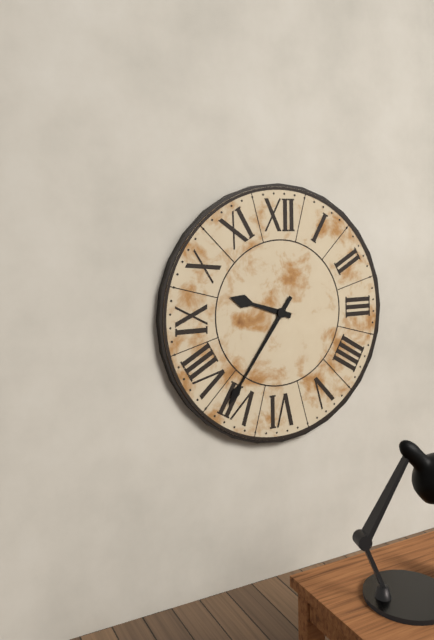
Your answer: 9 h 36 min
